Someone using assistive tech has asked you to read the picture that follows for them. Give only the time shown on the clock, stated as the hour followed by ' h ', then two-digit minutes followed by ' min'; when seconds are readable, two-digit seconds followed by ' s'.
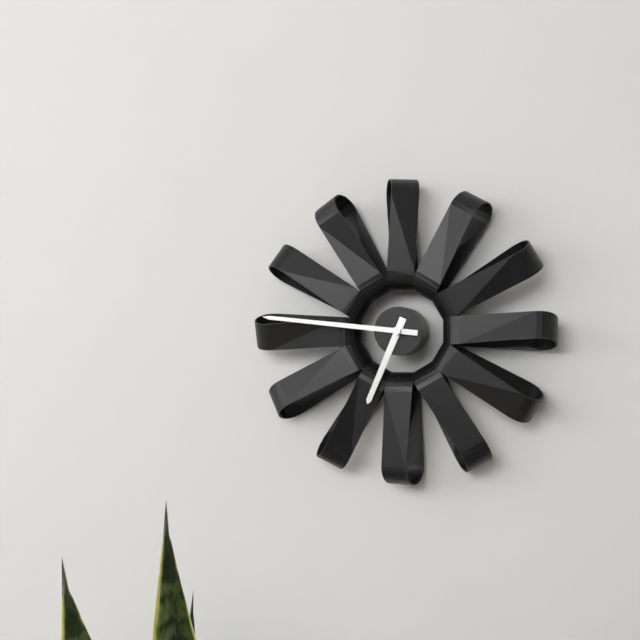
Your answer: 6 h 46 min
